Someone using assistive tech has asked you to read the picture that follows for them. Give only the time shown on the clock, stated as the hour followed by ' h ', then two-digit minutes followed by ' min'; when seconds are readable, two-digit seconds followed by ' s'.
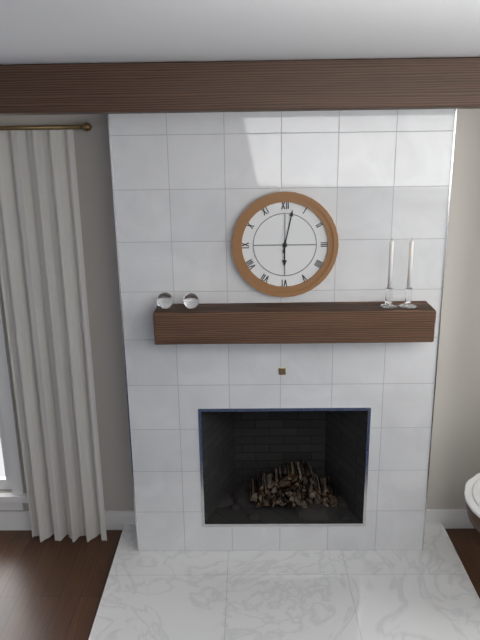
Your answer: 6 h 02 min
